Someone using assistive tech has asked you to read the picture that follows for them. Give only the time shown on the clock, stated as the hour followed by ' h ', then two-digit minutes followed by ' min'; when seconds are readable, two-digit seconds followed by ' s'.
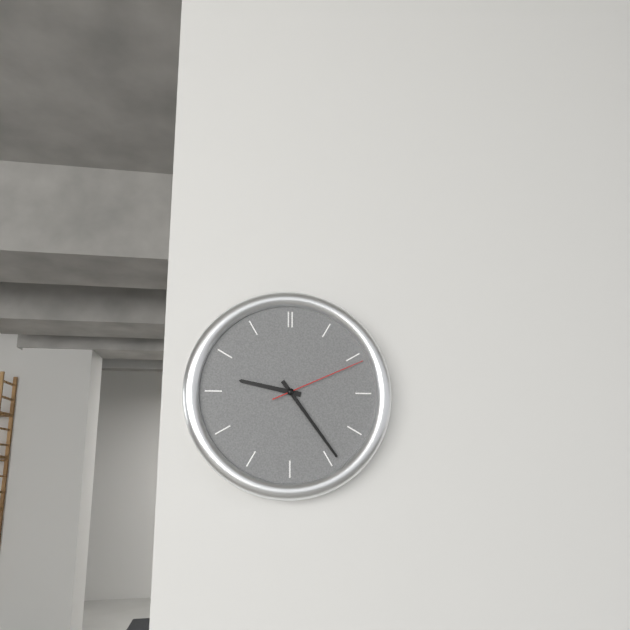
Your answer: 9 h 24 min 11 s
